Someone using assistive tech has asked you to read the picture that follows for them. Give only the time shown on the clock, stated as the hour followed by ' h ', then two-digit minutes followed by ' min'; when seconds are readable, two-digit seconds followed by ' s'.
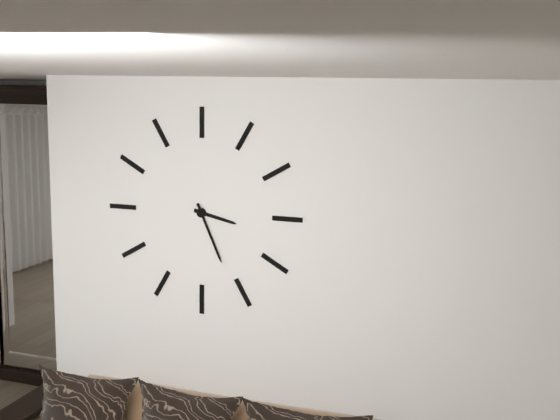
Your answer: 3 h 26 min
